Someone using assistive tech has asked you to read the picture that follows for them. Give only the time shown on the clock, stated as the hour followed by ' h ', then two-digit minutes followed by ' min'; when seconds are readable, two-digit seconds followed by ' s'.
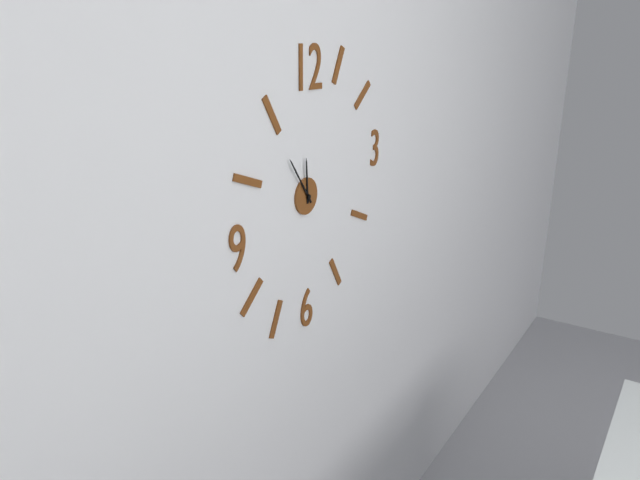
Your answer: 11 h 54 min
